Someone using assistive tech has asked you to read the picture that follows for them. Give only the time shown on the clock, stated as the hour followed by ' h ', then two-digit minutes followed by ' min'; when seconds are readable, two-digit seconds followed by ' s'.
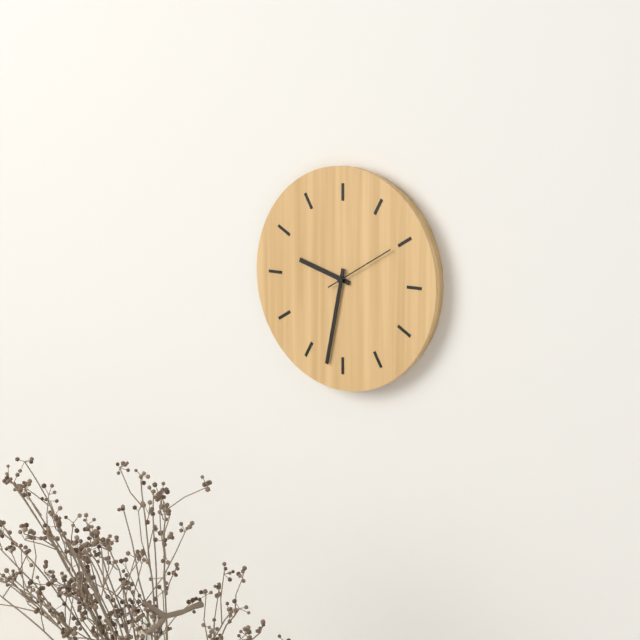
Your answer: 9 h 32 min 10 s
